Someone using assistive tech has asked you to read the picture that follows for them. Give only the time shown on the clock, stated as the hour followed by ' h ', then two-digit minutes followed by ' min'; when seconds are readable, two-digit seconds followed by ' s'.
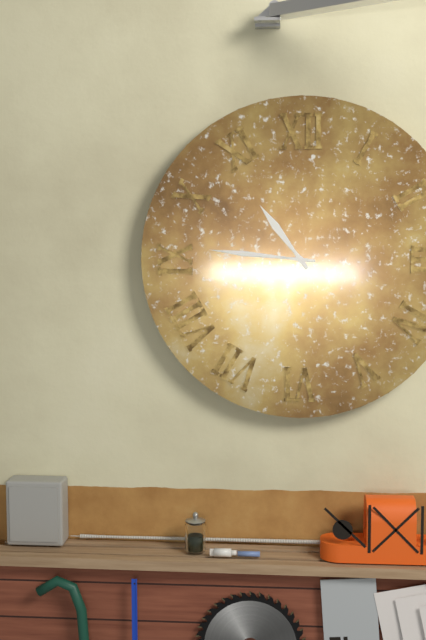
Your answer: 10 h 46 min
